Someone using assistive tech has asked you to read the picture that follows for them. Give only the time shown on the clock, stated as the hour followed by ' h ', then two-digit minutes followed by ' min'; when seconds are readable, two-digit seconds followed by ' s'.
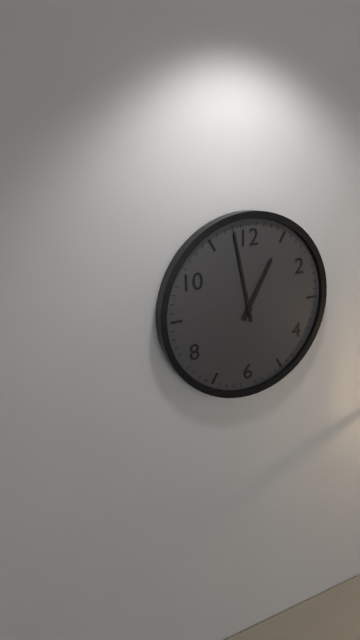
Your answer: 12 h 58 min
